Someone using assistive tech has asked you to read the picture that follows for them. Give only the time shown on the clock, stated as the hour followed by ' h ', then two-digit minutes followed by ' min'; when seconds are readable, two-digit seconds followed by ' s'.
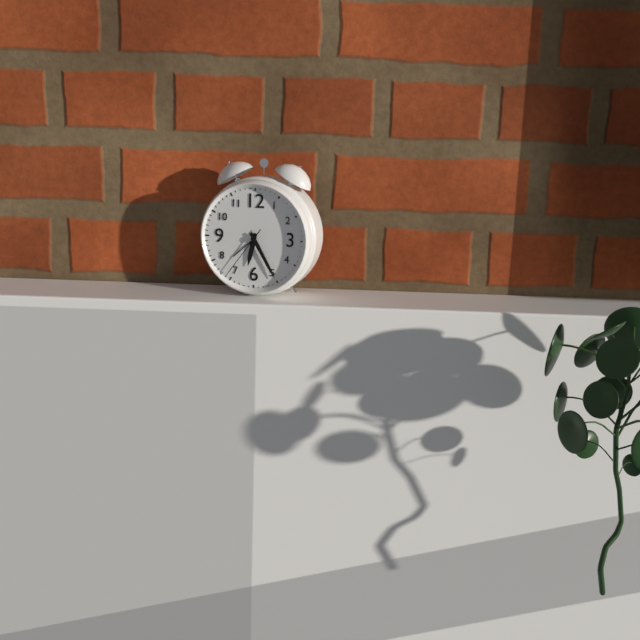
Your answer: 6 h 25 min 36 s
